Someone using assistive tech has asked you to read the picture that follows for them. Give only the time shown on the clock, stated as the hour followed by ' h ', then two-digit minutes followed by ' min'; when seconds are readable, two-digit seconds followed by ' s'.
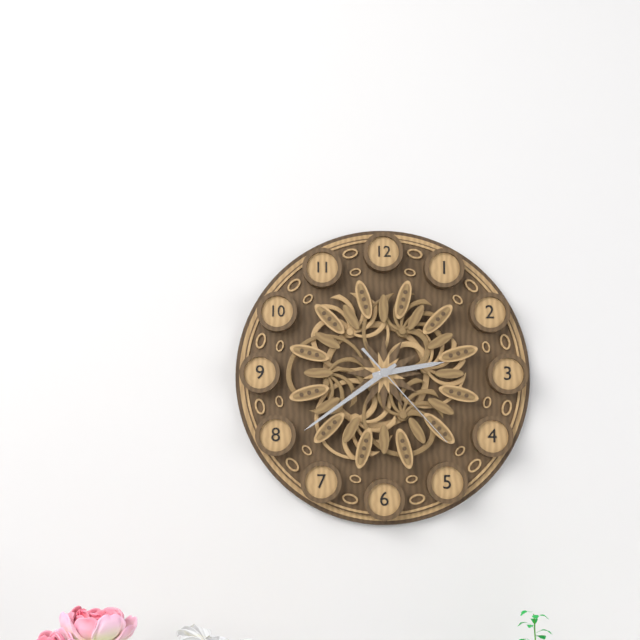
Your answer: 2 h 39 min 23 s
